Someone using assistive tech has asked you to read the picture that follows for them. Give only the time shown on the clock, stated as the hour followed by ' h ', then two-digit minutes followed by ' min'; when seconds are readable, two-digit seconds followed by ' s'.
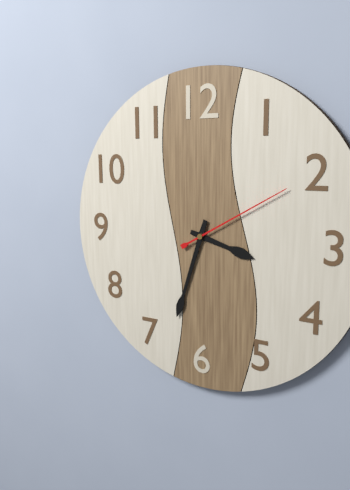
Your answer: 3 h 33 min 10 s
